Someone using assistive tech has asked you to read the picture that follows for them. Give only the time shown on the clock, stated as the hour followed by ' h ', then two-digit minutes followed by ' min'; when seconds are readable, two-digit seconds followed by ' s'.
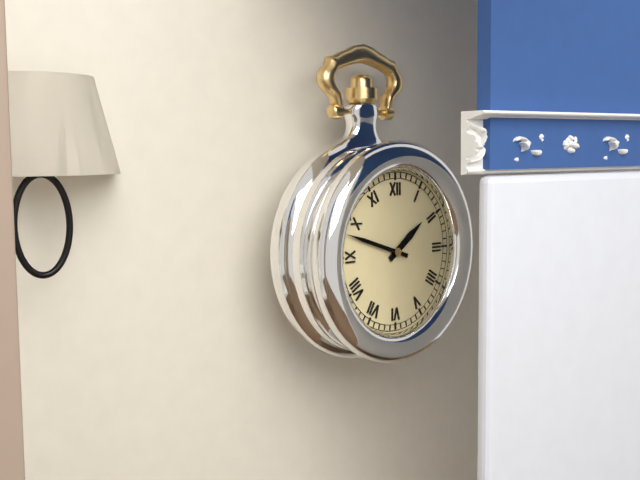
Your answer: 1 h 48 min
